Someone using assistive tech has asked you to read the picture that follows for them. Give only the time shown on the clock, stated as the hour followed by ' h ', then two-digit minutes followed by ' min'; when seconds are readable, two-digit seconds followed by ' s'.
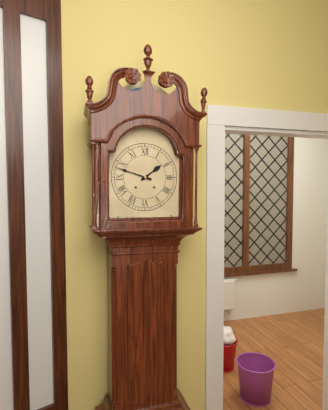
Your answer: 1 h 48 min
